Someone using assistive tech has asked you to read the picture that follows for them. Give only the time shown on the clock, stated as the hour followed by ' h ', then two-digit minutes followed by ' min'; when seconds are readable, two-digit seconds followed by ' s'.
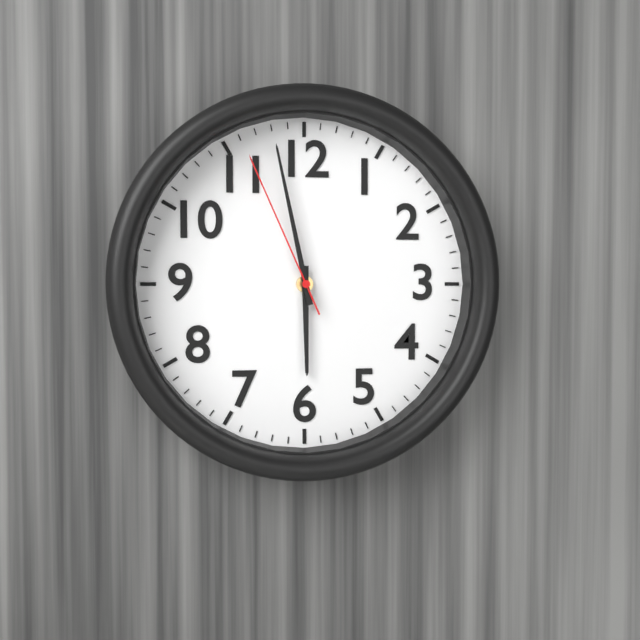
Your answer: 5 h 58 min 56 s
